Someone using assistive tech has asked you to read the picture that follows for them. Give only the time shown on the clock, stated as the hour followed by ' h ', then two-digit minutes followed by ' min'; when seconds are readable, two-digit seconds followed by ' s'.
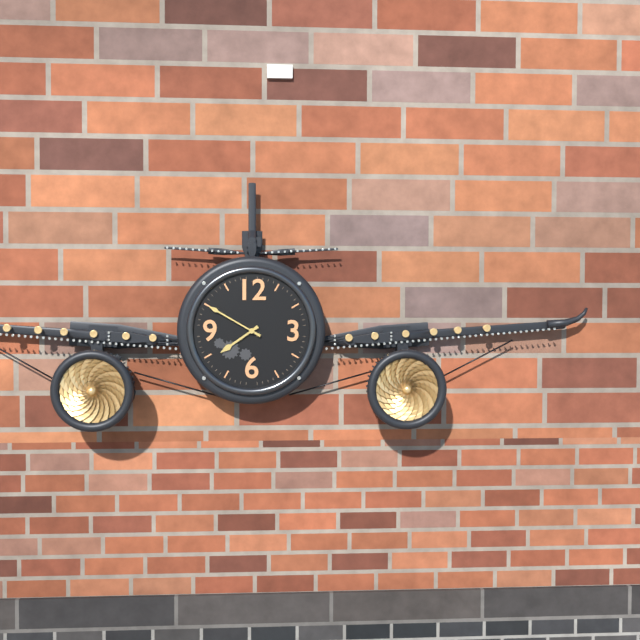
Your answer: 7 h 50 min
